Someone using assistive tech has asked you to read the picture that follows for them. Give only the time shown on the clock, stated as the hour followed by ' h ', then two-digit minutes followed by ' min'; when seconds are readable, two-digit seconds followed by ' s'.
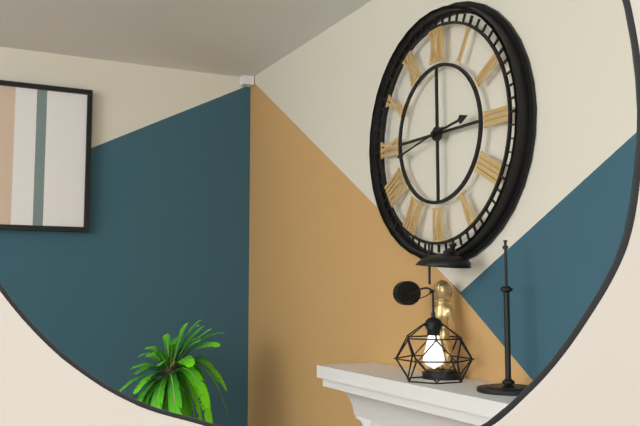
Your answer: 2 h 43 min
